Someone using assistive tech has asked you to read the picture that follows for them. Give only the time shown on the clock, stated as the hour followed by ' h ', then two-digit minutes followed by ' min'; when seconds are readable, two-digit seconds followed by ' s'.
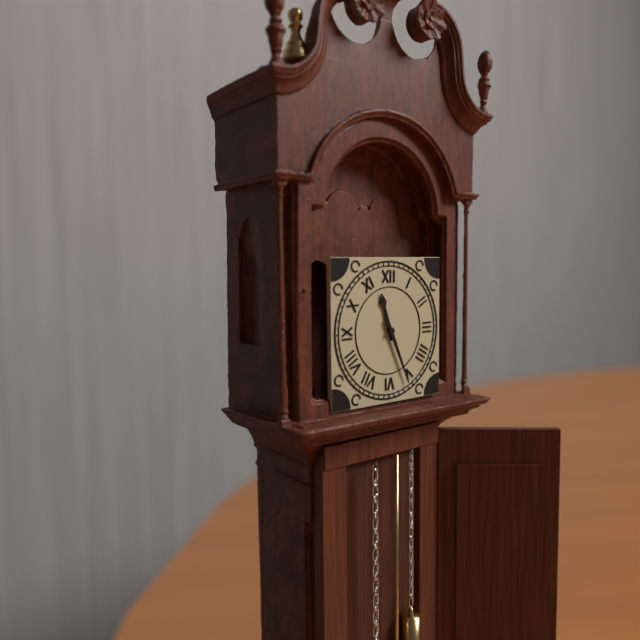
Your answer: 11 h 26 min
